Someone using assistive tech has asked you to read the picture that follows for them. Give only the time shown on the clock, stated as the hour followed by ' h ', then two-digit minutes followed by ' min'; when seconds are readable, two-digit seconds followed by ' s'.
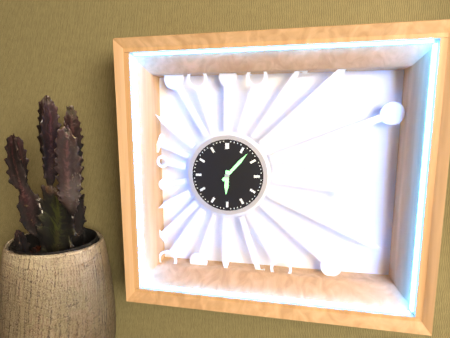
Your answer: 6 h 07 min
